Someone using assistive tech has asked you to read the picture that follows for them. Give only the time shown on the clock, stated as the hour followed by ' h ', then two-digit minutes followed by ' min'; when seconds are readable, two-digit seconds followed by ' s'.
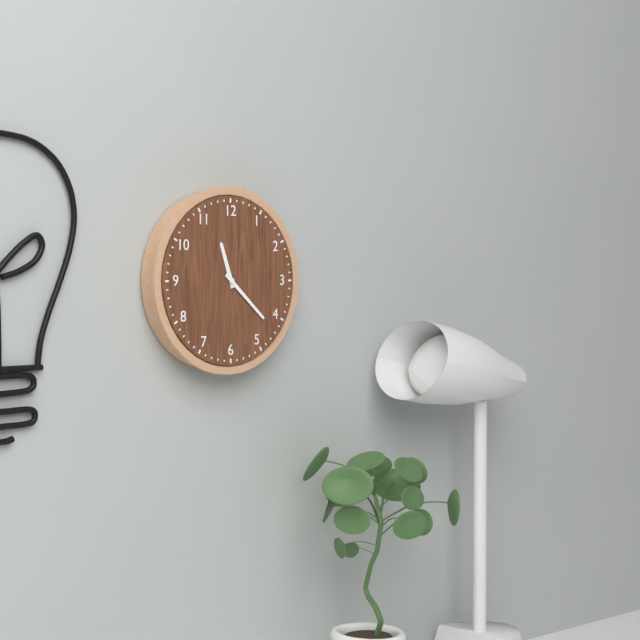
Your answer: 11 h 22 min
